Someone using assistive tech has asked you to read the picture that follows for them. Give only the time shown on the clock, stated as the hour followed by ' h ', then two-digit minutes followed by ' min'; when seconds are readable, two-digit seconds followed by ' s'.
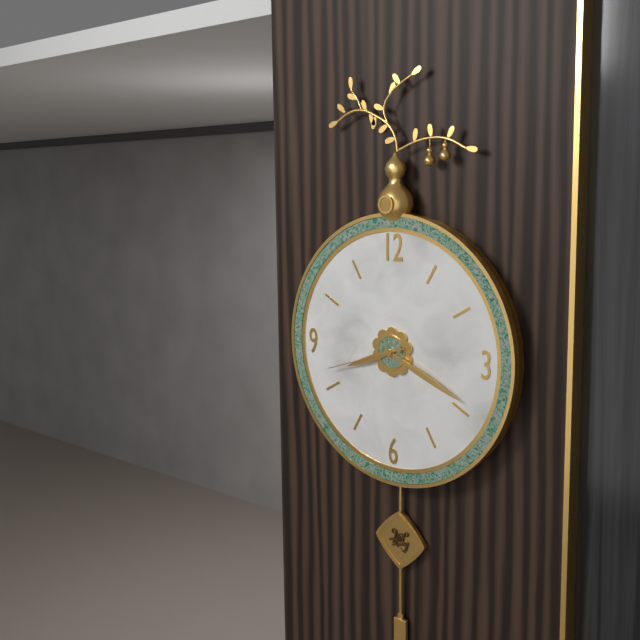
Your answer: 8 h 19 min 42 s
